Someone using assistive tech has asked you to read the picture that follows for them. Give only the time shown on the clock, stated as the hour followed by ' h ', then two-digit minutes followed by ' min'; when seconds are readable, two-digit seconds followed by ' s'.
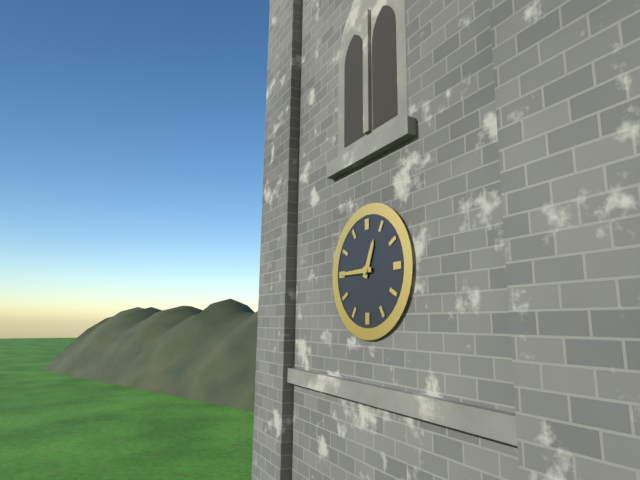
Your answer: 12 h 45 min
